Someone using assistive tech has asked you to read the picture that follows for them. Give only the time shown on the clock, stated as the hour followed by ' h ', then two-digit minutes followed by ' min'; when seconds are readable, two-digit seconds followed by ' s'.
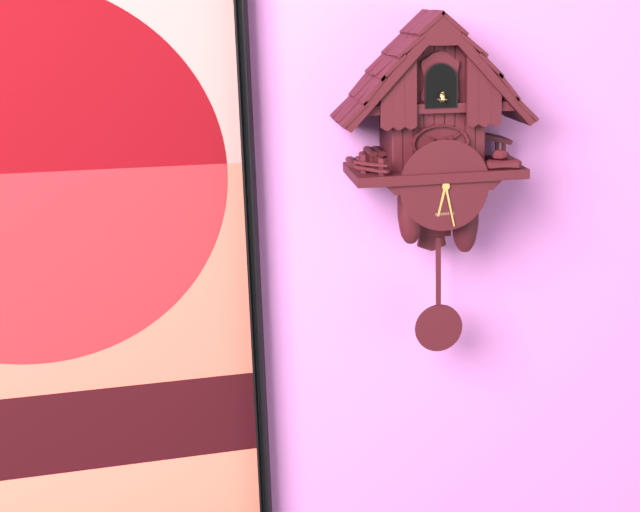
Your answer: 6 h 28 min
